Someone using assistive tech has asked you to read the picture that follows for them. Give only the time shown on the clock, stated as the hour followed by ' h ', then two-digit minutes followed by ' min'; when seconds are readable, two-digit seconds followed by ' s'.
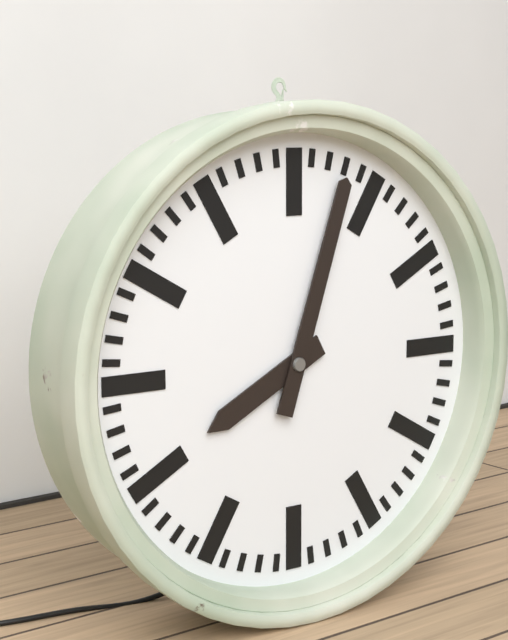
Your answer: 8 h 03 min
